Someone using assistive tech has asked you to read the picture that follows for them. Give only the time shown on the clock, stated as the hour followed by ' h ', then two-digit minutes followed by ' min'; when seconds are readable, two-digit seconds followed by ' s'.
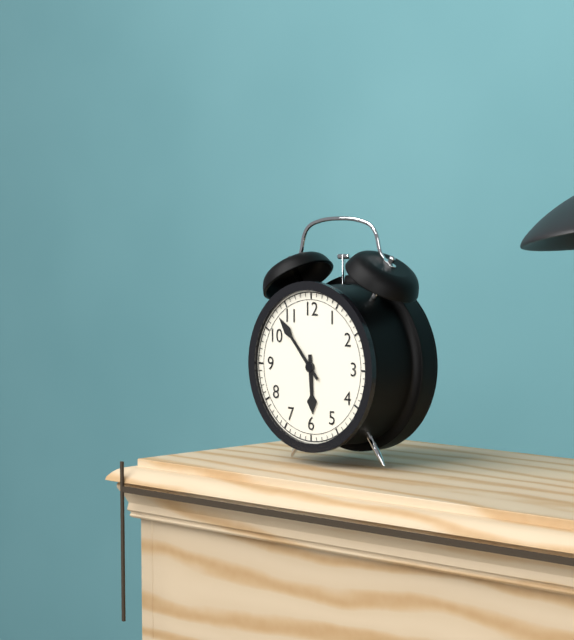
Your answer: 5 h 53 min
